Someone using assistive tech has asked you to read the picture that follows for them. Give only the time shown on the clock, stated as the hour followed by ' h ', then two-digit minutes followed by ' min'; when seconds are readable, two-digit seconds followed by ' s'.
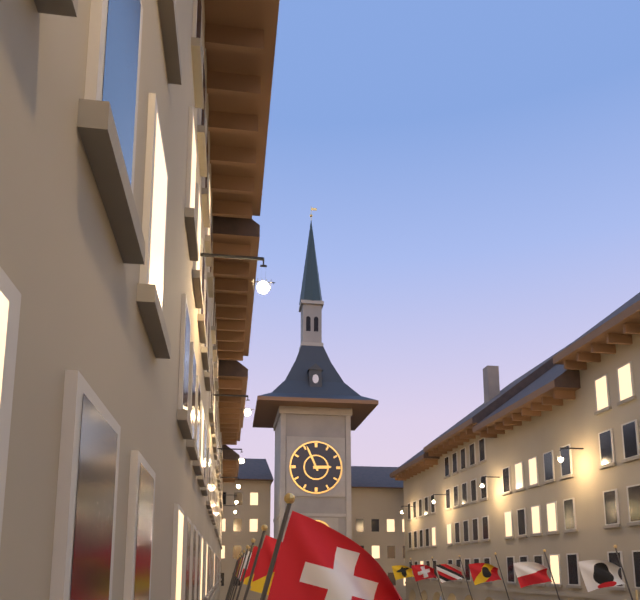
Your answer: 2 h 56 min
